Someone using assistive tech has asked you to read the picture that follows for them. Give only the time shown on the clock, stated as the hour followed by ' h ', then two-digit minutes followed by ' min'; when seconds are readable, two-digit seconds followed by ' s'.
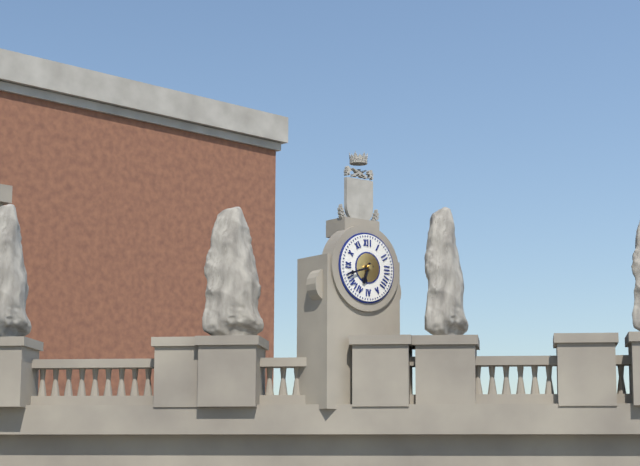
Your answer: 6 h 42 min
